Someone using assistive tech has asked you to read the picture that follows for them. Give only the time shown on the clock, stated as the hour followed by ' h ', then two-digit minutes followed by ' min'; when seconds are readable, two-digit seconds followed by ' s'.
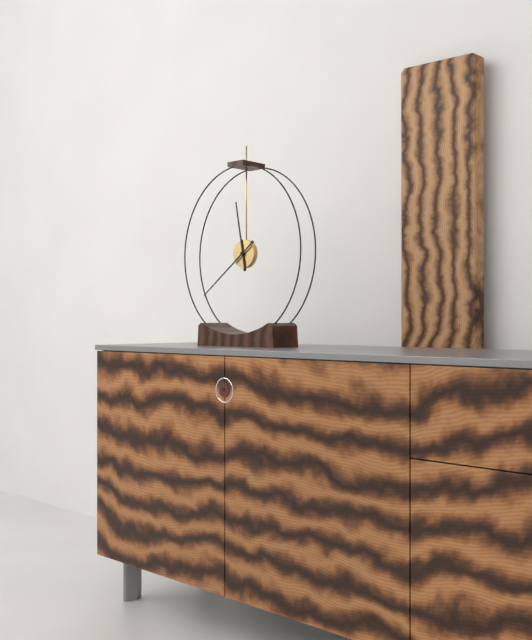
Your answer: 11 h 39 min
